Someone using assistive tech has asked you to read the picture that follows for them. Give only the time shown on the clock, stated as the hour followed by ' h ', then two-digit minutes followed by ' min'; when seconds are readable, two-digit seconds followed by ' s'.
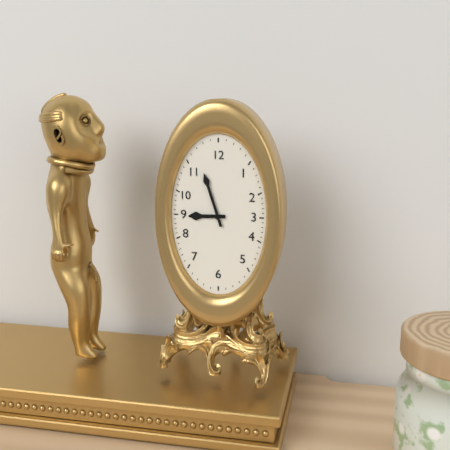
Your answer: 8 h 57 min
